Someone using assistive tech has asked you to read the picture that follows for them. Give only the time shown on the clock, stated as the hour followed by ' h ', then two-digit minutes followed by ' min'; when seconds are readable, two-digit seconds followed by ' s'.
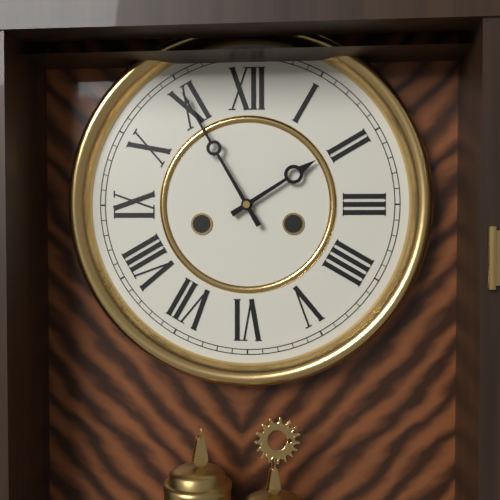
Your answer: 1 h 55 min
